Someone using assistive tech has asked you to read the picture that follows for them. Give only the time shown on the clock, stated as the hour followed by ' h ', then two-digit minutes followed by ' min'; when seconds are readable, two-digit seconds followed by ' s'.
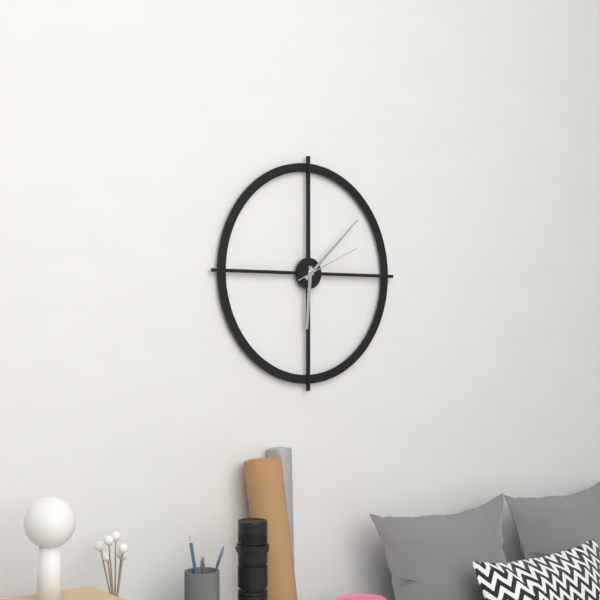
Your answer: 6 h 08 min 11 s
